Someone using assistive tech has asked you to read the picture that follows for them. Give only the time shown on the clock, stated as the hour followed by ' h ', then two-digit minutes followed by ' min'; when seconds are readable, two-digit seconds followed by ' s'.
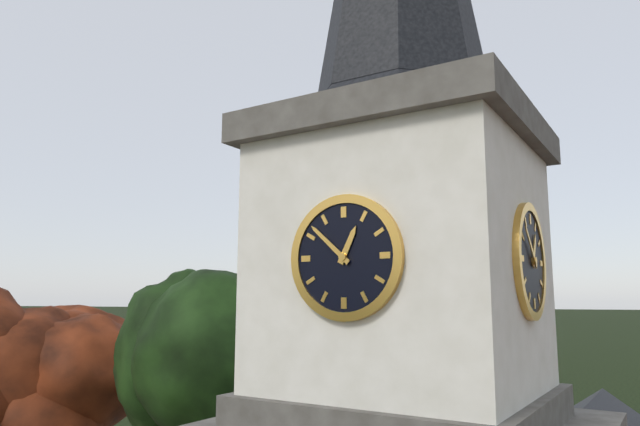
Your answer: 12 h 52 min
